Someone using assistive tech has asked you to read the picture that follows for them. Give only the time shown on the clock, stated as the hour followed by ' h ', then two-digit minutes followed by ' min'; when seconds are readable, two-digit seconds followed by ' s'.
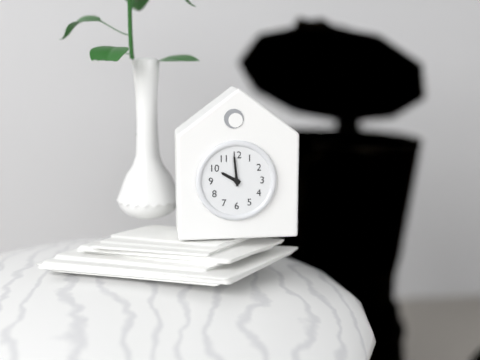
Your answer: 9 h 59 min
